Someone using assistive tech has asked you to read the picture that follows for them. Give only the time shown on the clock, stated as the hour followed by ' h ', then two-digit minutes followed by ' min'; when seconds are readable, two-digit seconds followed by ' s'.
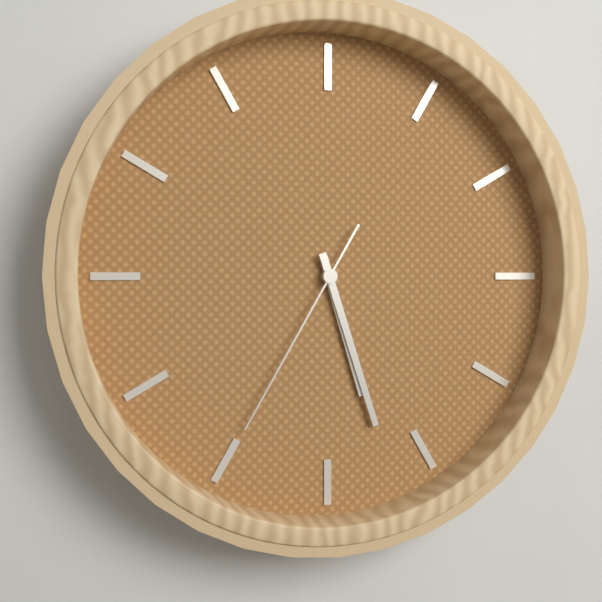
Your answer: 5 h 27 min 35 s
